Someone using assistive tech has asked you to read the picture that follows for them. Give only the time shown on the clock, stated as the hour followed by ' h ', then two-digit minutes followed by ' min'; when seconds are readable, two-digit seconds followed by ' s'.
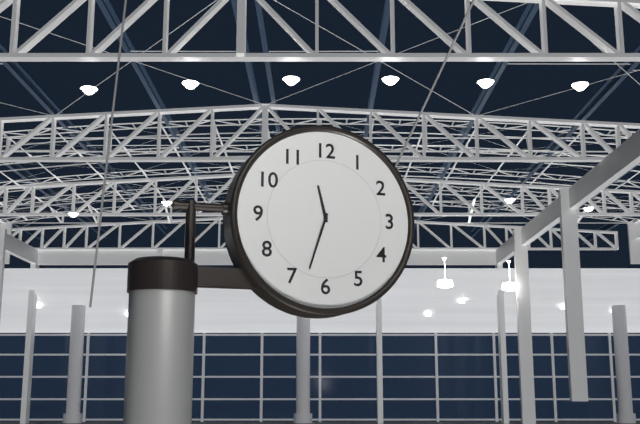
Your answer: 11 h 33 min
